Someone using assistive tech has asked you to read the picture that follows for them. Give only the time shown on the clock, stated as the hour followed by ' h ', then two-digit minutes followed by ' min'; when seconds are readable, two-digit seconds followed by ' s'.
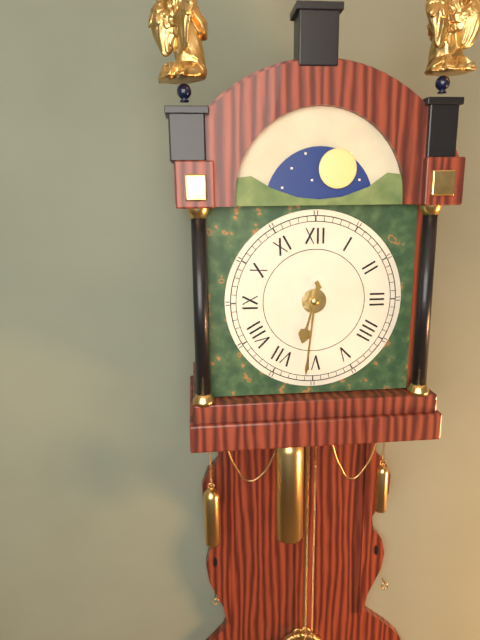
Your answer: 6 h 31 min
